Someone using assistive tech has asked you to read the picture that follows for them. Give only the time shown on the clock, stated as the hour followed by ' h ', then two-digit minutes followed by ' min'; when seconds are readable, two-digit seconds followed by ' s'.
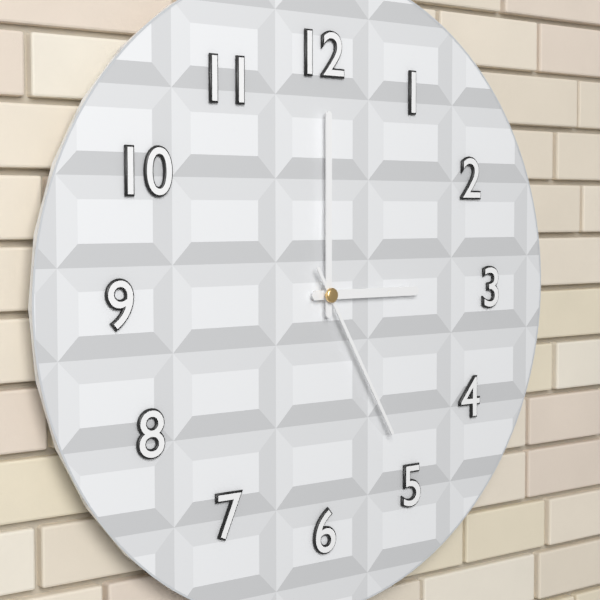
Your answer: 3 h 00 min 25 s
